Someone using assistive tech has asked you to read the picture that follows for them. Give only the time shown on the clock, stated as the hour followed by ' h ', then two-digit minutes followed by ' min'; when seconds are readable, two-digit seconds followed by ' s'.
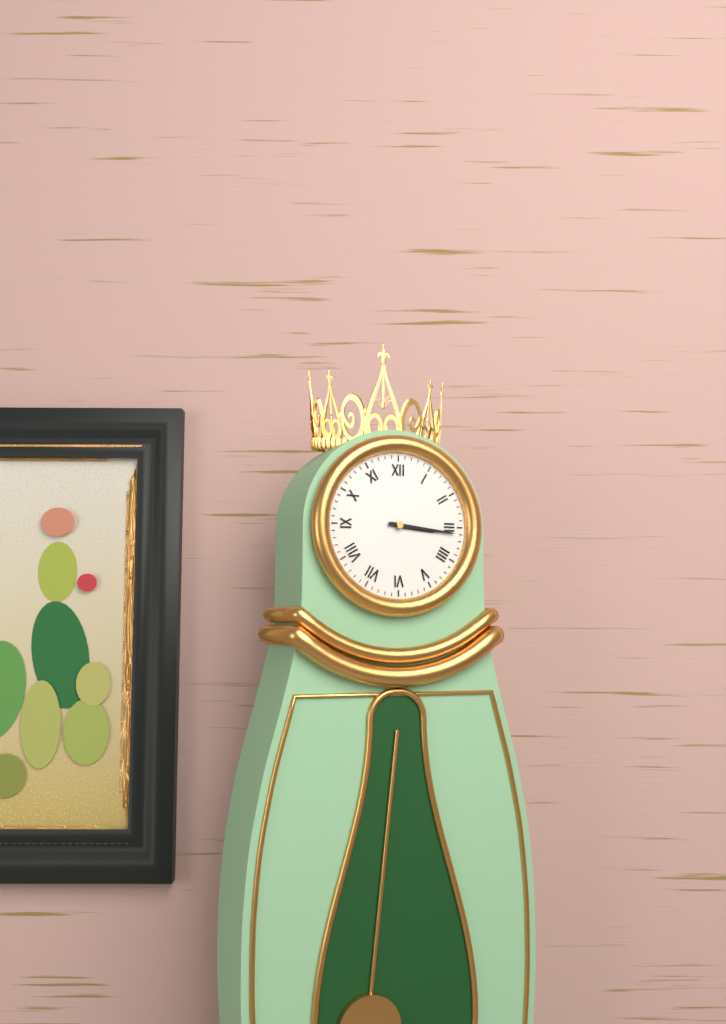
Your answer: 3 h 16 min
